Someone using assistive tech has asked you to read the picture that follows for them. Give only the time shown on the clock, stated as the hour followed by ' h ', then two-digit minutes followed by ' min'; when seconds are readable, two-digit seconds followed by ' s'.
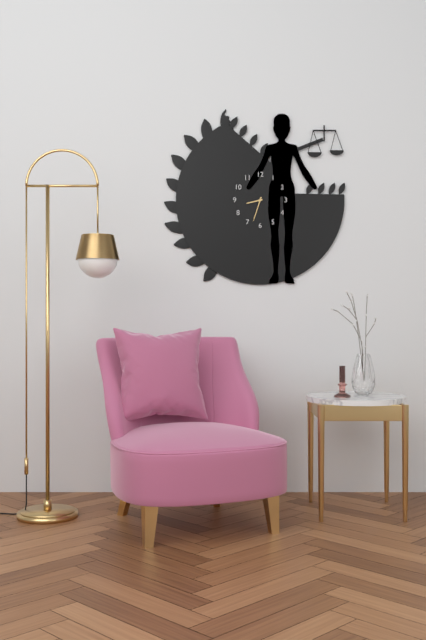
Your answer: 8 h 33 min
